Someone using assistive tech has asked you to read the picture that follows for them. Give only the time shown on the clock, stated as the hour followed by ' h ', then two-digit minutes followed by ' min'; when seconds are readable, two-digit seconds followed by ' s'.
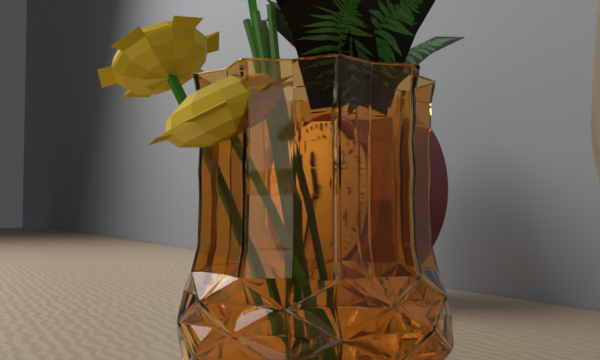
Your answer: 11 h 33 min
